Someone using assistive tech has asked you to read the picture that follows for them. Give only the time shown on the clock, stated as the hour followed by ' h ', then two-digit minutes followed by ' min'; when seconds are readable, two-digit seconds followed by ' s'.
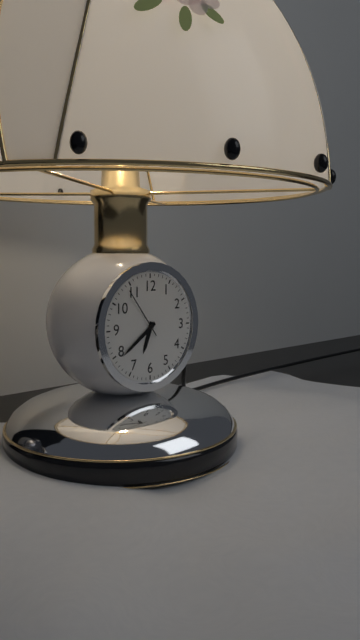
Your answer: 6 h 39 min 54 s
